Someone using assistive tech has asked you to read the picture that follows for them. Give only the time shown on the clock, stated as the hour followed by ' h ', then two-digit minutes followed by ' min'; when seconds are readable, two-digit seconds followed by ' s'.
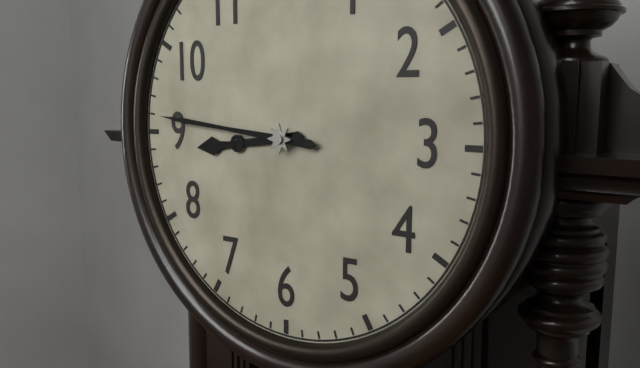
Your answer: 8 h 46 min
